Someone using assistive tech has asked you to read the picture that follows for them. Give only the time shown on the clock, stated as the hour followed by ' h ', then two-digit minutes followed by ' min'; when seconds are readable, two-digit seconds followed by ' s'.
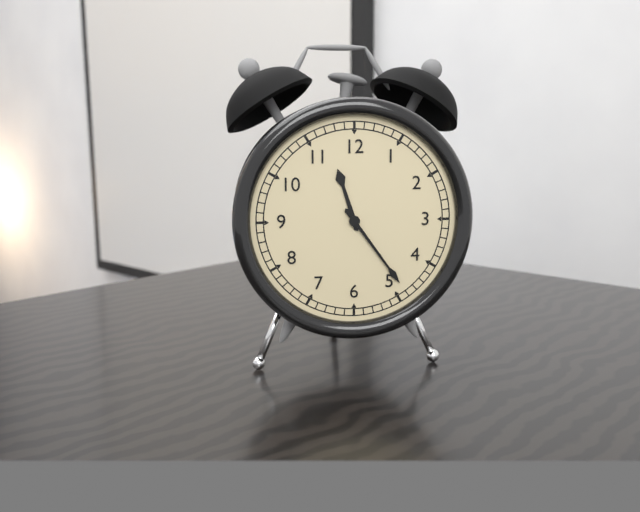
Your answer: 11 h 24 min
